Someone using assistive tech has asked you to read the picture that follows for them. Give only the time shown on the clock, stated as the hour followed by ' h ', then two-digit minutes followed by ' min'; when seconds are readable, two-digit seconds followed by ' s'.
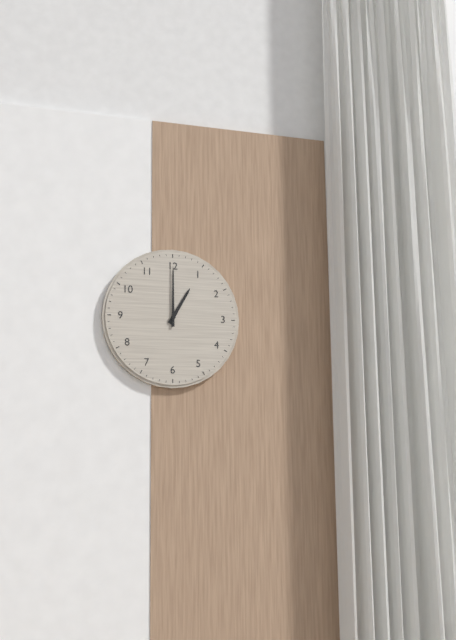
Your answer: 1 h 00 min
